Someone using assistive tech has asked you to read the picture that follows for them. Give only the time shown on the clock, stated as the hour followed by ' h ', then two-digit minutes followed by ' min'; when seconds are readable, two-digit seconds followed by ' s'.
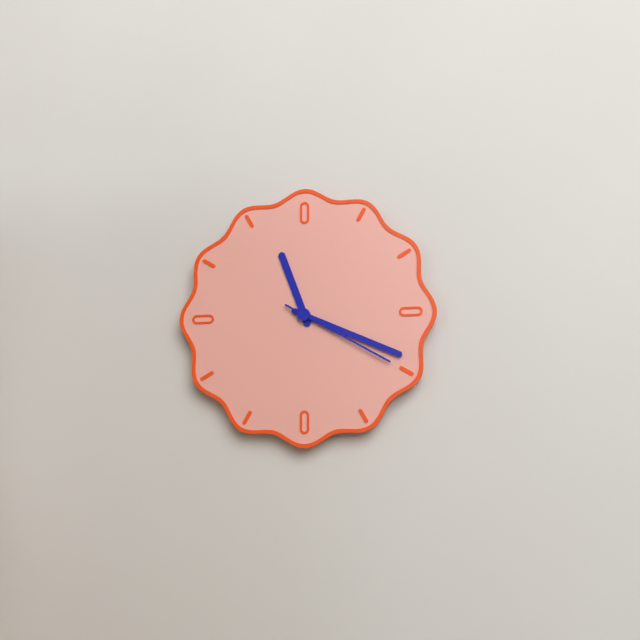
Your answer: 11 h 19 min 20 s
